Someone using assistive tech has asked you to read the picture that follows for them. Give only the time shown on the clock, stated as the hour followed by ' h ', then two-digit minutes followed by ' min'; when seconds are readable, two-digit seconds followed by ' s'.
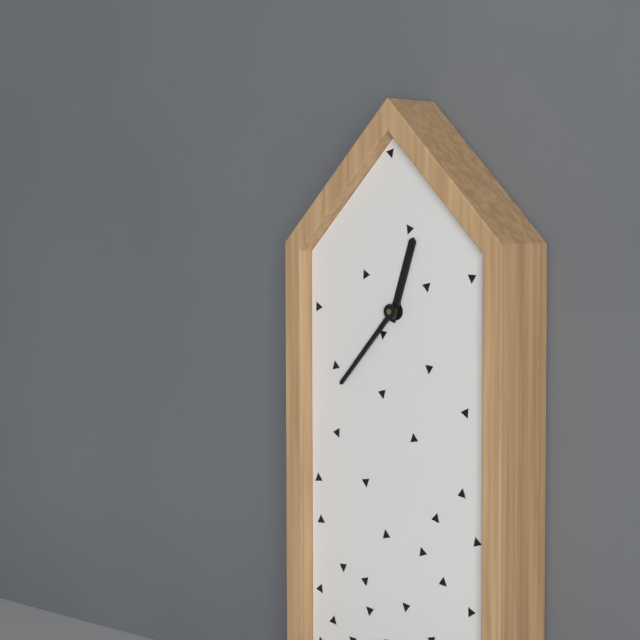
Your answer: 12 h 37 min
